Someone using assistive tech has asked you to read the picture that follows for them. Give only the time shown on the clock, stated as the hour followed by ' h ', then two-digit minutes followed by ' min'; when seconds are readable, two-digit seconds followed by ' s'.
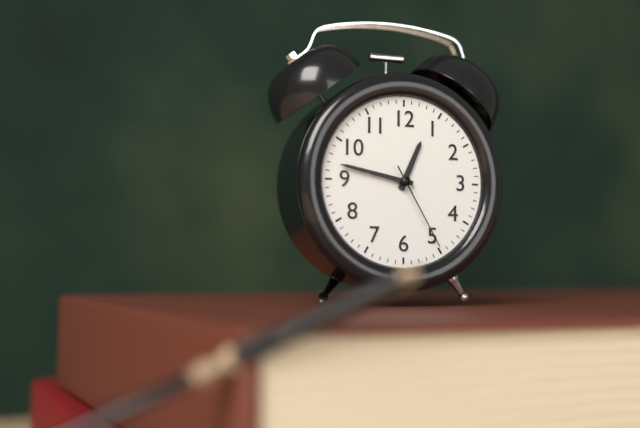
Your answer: 12 h 47 min 25 s
